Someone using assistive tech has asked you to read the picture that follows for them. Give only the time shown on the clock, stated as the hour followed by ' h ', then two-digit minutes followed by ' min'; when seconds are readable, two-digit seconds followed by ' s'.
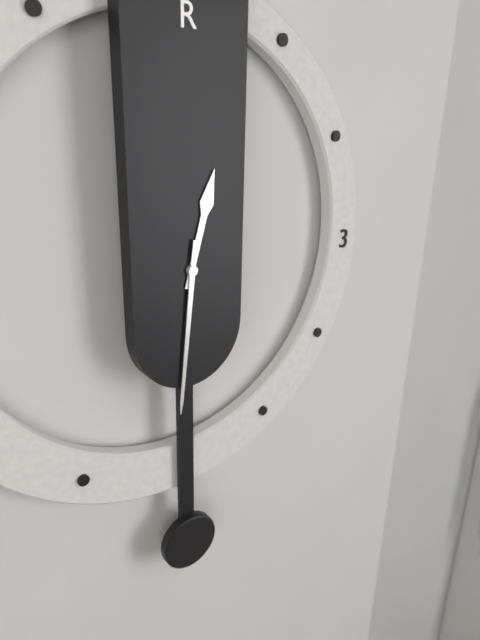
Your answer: 12 h 31 min
